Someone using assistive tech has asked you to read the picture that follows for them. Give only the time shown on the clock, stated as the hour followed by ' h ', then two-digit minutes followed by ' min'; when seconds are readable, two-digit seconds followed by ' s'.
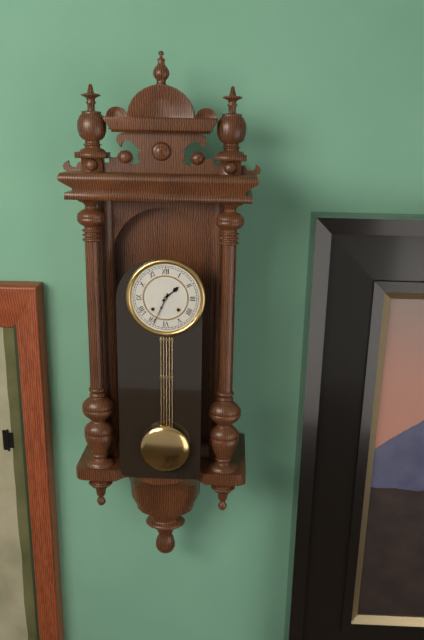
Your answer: 1 h 34 min
